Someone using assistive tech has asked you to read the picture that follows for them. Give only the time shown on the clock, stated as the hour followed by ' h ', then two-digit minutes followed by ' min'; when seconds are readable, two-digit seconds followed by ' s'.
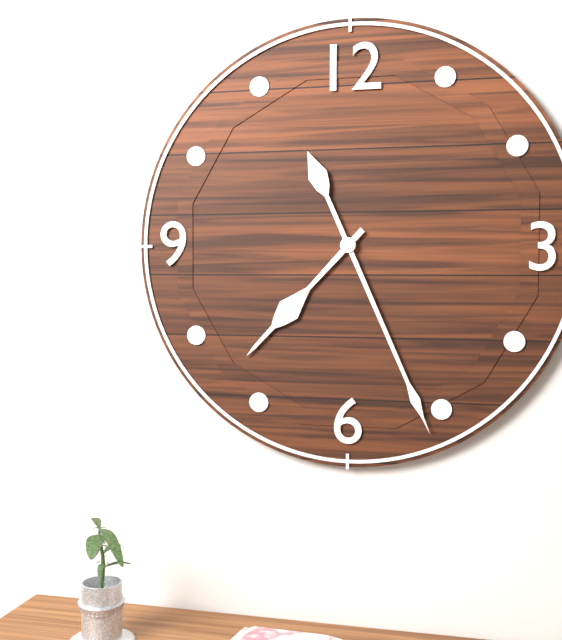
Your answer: 7 h 26 min
